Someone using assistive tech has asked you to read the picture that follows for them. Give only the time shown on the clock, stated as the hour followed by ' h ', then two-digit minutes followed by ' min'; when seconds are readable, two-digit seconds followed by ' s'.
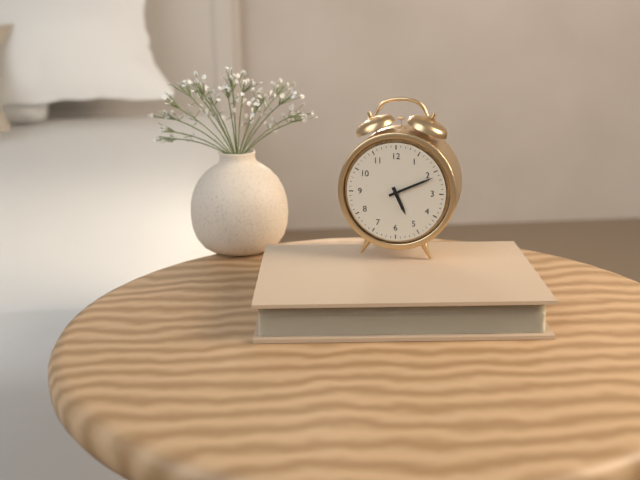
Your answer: 5 h 11 min
